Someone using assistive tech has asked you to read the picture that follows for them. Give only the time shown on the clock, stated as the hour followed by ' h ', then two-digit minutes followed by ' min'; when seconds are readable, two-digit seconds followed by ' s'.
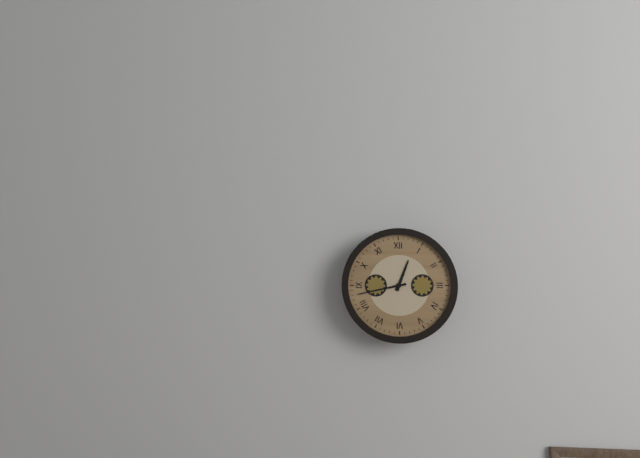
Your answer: 12 h 43 min
